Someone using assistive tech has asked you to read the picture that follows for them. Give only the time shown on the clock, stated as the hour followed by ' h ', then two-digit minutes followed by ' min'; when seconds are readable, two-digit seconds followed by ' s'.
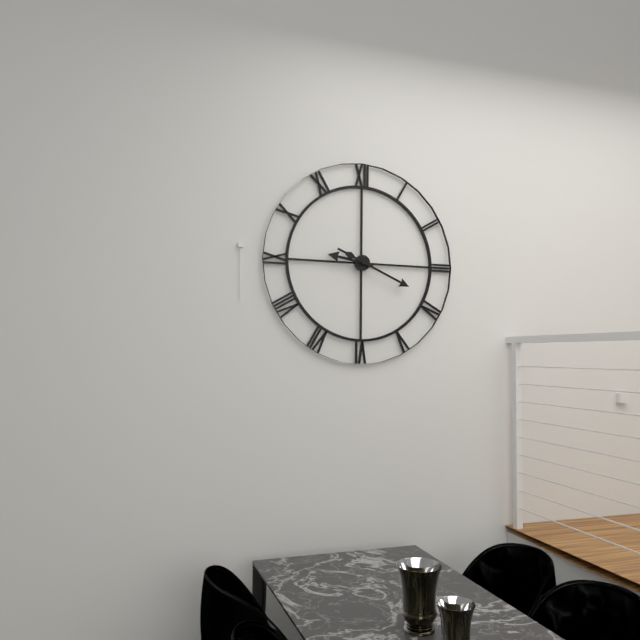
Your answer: 9 h 19 min
